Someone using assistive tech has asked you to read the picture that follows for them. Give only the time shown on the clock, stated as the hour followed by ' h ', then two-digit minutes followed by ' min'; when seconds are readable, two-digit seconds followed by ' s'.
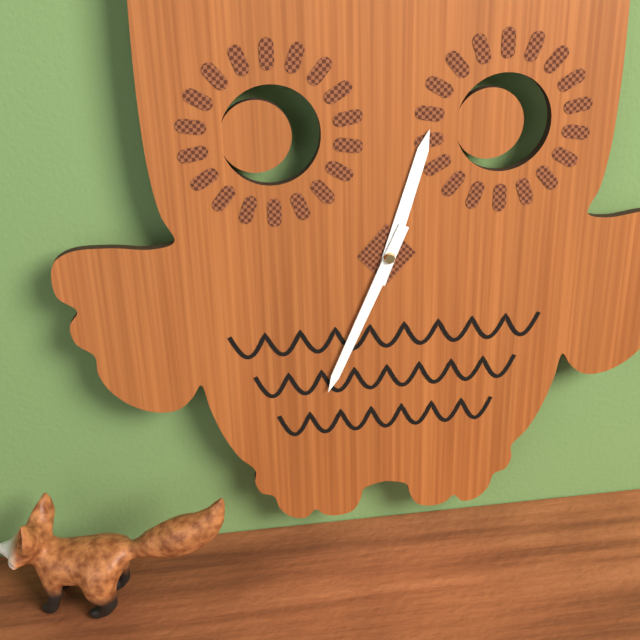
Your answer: 12 h 34 min
